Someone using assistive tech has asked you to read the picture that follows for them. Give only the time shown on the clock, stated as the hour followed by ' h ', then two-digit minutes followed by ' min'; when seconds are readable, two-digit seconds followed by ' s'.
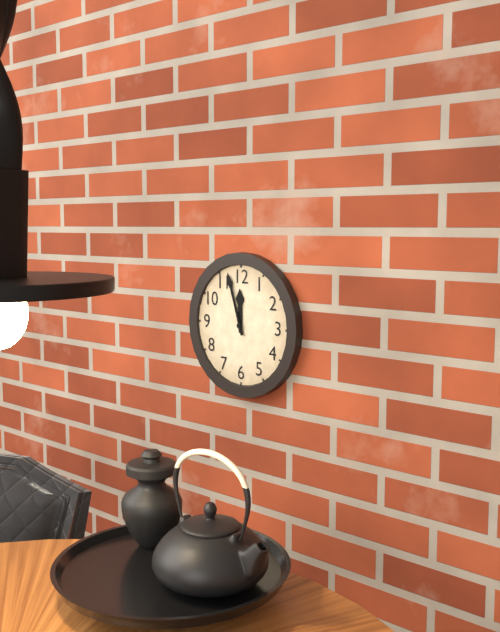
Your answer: 11 h 57 min
